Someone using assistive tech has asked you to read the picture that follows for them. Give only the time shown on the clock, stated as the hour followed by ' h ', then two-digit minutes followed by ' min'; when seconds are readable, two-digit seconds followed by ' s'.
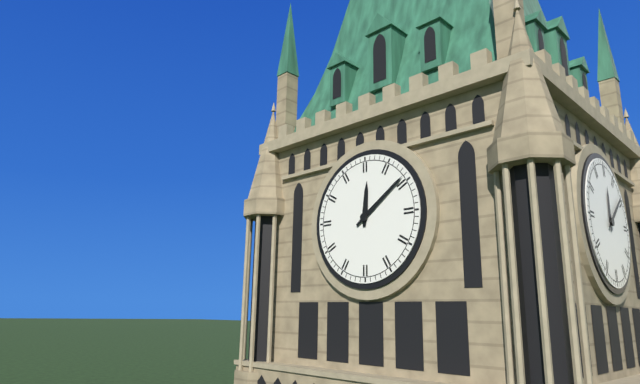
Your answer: 12 h 09 min
